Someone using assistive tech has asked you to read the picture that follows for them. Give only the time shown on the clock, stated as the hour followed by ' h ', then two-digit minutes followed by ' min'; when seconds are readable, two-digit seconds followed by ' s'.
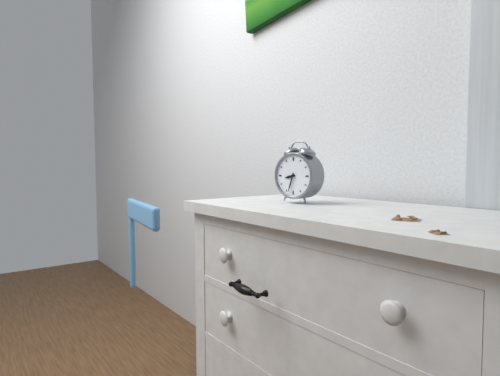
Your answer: 8 h 33 min
